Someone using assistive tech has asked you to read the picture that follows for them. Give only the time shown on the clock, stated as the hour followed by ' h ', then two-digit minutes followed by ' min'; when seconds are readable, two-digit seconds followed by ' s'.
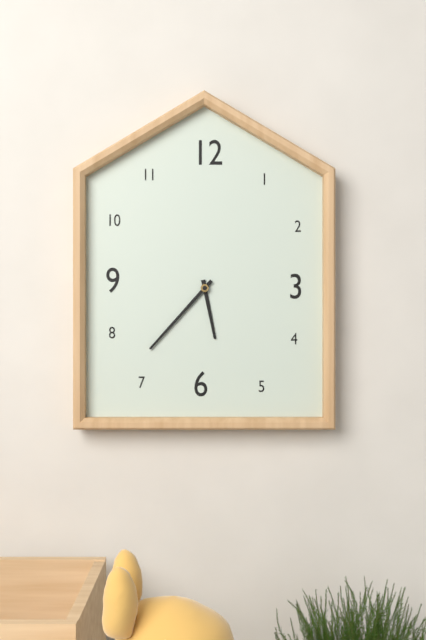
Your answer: 5 h 37 min
